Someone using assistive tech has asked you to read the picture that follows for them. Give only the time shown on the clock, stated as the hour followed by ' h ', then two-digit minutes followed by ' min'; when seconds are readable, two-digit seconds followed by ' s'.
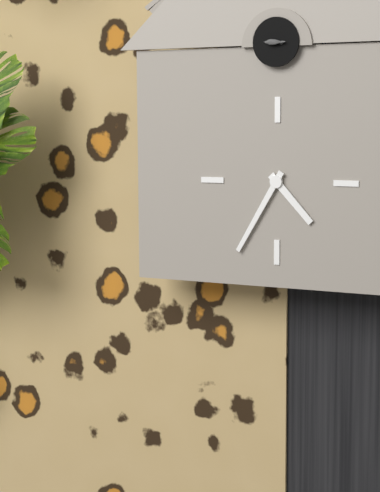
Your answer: 4 h 35 min
